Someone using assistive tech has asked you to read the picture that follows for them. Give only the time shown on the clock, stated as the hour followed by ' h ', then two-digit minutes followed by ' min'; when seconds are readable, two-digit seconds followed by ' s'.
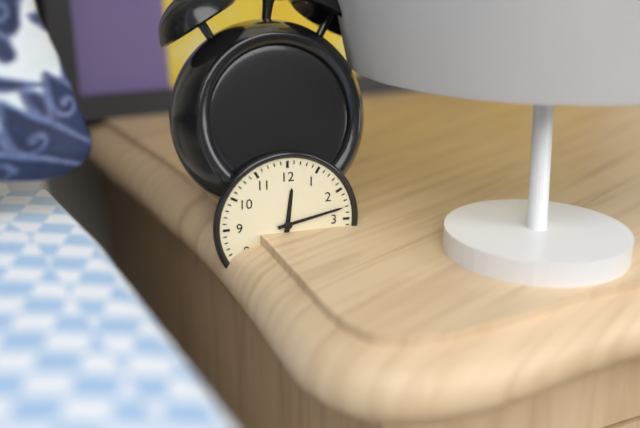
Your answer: 12 h 13 min
